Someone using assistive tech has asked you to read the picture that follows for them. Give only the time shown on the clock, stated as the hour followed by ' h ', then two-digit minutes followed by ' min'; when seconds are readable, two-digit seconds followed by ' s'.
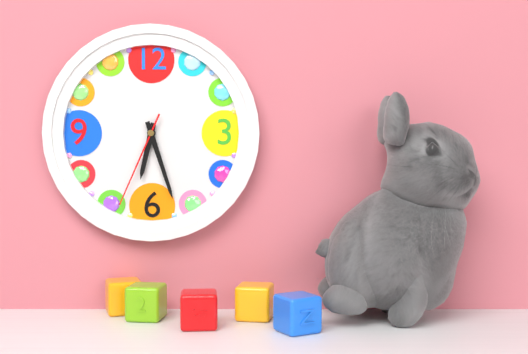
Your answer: 6 h 27 min 34 s
